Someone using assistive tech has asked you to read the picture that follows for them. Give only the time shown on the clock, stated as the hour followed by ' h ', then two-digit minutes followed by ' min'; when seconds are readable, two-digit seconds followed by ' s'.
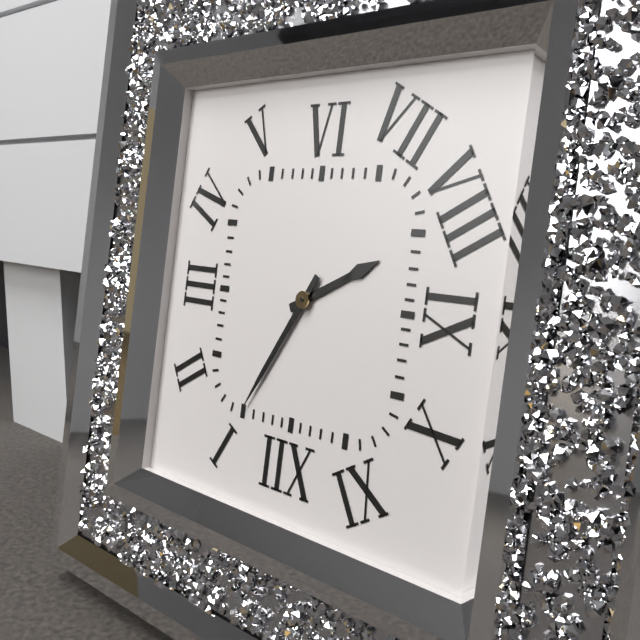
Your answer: 8 h 05 min
